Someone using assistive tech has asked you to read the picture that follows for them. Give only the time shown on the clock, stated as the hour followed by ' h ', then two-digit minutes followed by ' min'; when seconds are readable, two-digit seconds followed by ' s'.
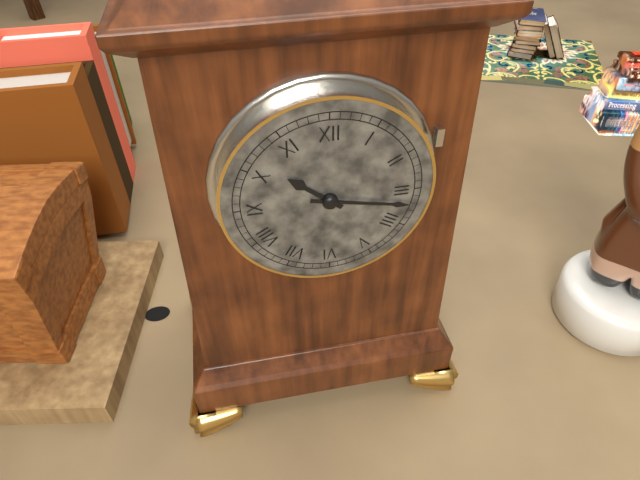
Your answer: 10 h 17 min
